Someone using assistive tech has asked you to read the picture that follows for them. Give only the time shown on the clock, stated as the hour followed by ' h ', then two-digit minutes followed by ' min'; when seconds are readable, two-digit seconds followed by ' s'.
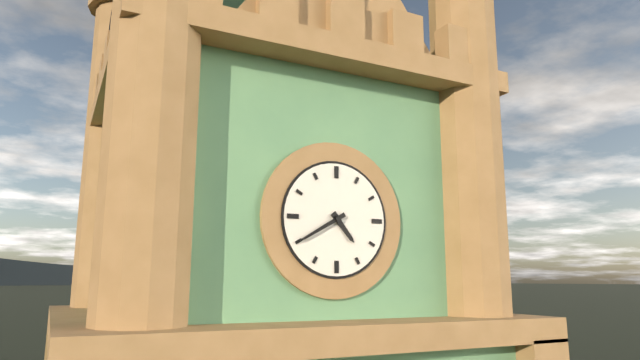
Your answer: 4 h 40 min
